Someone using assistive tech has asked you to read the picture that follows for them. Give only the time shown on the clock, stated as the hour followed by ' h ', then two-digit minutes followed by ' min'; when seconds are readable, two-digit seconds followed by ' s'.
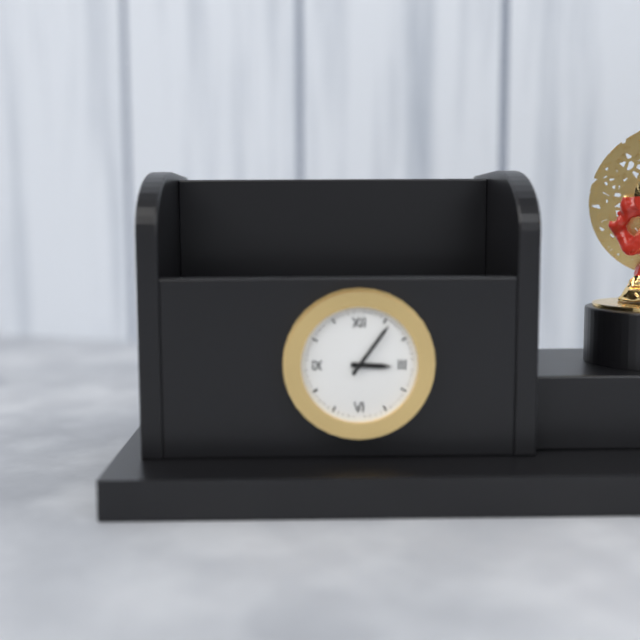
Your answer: 3 h 06 min
